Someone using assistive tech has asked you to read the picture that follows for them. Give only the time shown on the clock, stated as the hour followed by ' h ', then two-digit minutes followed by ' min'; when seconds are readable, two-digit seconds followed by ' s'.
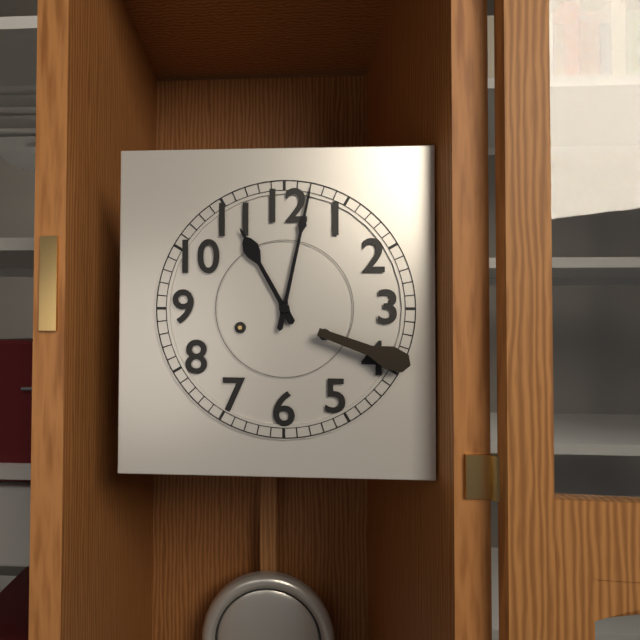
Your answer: 11 h 02 min
